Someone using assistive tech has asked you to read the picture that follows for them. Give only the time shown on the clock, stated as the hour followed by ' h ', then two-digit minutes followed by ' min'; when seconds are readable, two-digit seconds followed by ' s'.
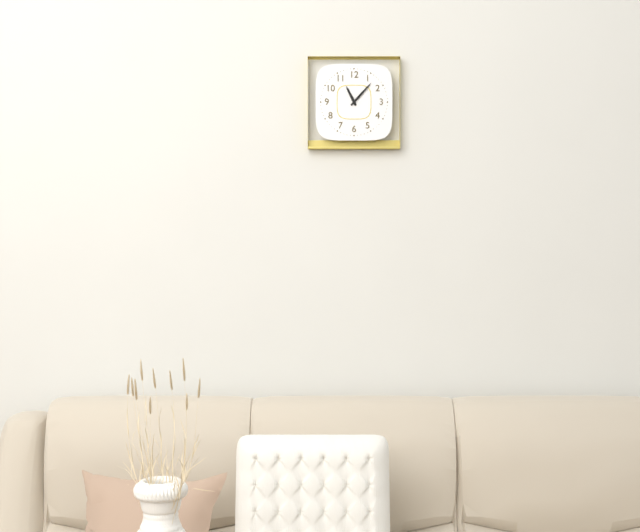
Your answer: 11 h 07 min
